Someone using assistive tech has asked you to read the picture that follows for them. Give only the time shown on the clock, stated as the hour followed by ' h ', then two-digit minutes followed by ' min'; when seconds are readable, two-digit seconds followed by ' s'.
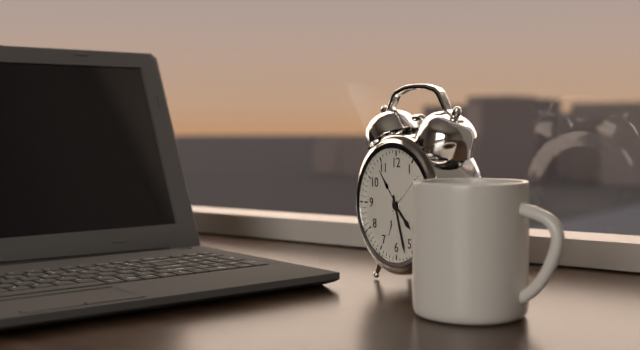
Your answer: 4 h 27 min
